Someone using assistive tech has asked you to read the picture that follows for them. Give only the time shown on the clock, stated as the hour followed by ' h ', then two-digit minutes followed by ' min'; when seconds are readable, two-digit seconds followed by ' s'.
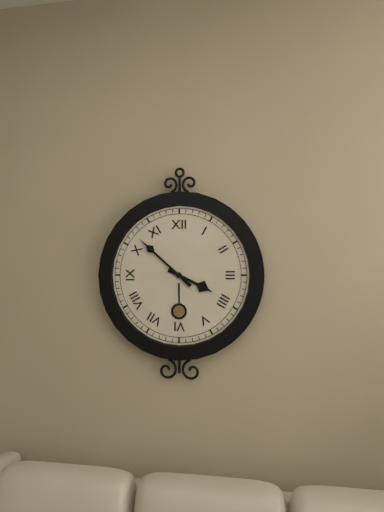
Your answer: 3 h 52 min
